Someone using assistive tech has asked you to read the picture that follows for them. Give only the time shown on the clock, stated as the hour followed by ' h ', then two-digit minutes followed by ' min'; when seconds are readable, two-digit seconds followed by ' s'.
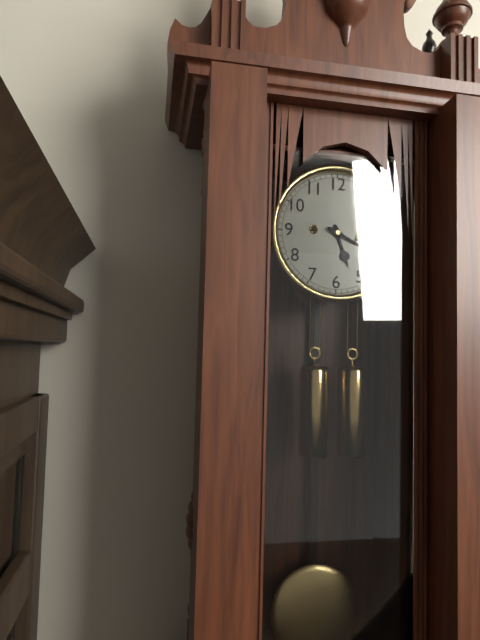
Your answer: 5 h 19 min
